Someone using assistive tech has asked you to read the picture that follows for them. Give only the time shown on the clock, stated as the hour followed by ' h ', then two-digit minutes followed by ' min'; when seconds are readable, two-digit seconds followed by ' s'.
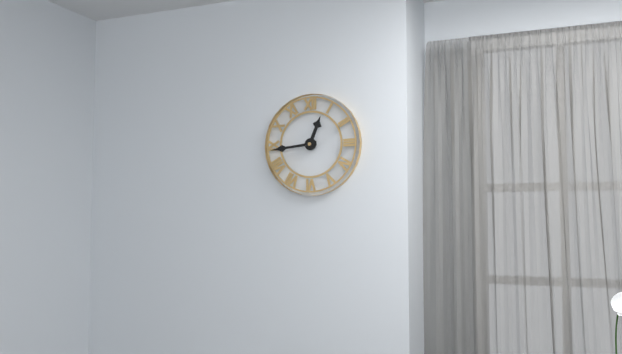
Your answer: 12 h 44 min
